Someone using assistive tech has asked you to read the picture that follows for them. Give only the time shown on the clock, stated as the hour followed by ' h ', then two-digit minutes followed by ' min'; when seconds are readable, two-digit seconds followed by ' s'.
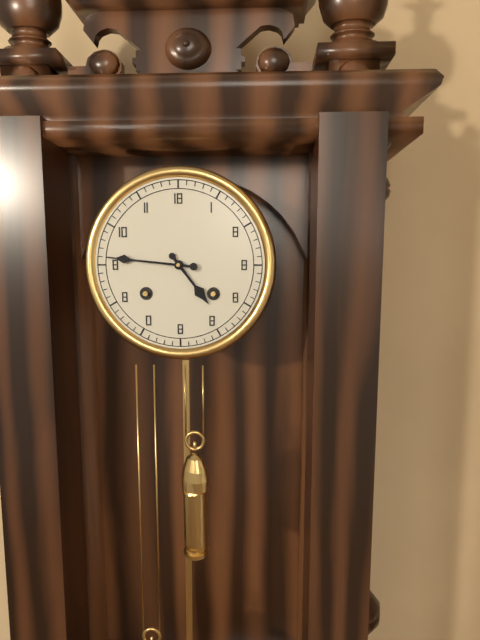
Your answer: 4 h 46 min
